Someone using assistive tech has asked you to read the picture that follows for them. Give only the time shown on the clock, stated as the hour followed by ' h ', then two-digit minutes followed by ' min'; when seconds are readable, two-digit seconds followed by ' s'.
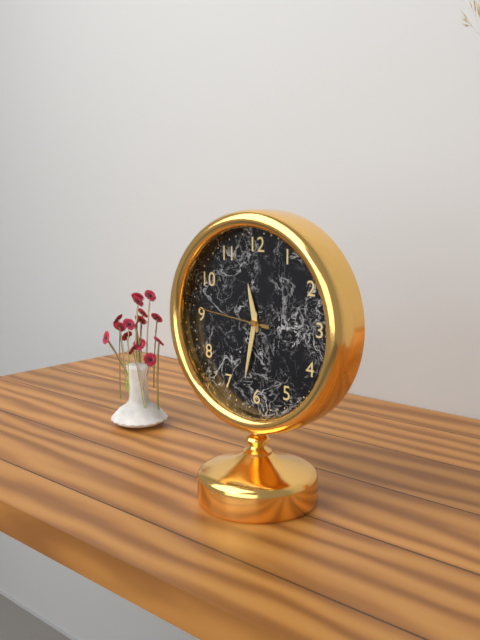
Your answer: 11 h 32 min 46 s
